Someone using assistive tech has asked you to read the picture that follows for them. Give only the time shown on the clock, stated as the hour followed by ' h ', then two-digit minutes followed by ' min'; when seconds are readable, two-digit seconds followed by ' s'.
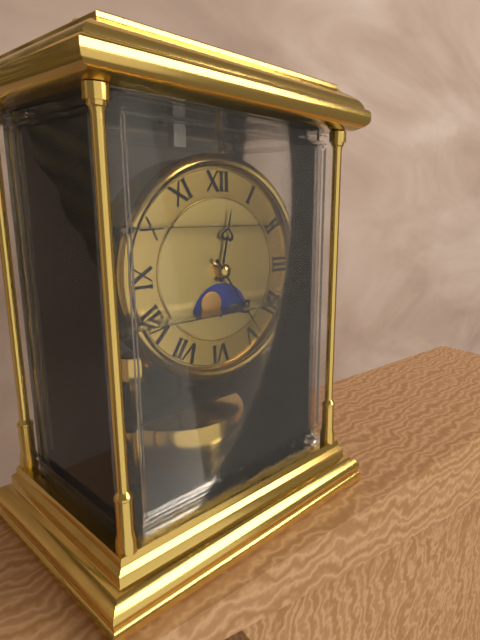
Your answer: 12 h 24 min
